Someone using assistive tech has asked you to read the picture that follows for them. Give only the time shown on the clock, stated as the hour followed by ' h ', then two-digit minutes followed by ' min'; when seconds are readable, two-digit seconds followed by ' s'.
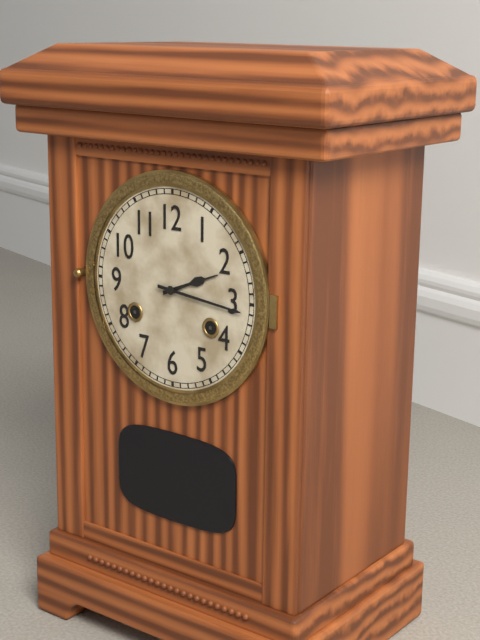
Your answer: 2 h 16 min
